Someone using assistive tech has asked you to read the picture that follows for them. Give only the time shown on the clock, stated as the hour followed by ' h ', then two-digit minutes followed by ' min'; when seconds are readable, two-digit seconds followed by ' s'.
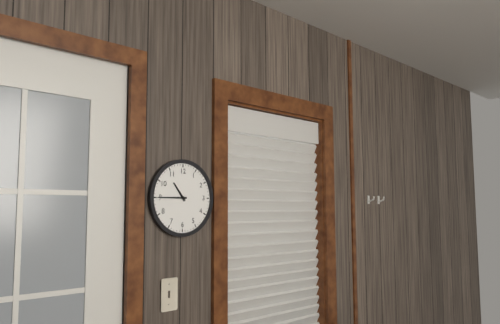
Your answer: 10 h 45 min
